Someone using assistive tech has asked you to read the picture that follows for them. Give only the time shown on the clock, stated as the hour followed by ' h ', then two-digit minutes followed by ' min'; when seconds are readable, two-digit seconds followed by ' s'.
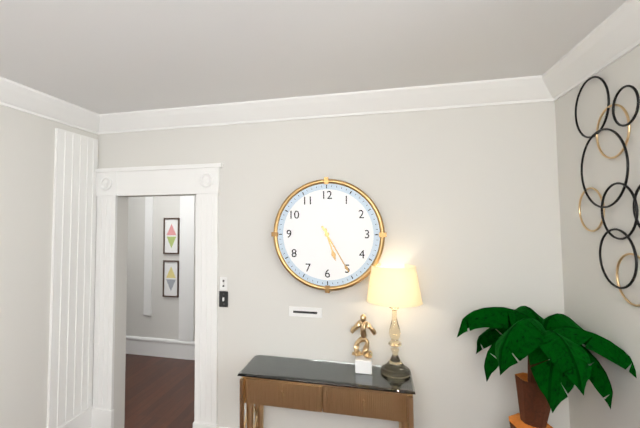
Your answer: 5 h 25 min
